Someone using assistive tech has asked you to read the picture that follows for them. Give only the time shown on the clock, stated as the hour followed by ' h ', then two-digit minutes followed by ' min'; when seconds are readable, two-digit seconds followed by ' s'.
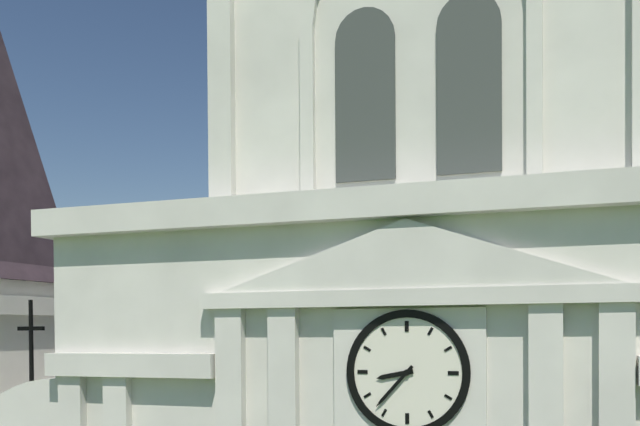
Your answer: 8 h 37 min
